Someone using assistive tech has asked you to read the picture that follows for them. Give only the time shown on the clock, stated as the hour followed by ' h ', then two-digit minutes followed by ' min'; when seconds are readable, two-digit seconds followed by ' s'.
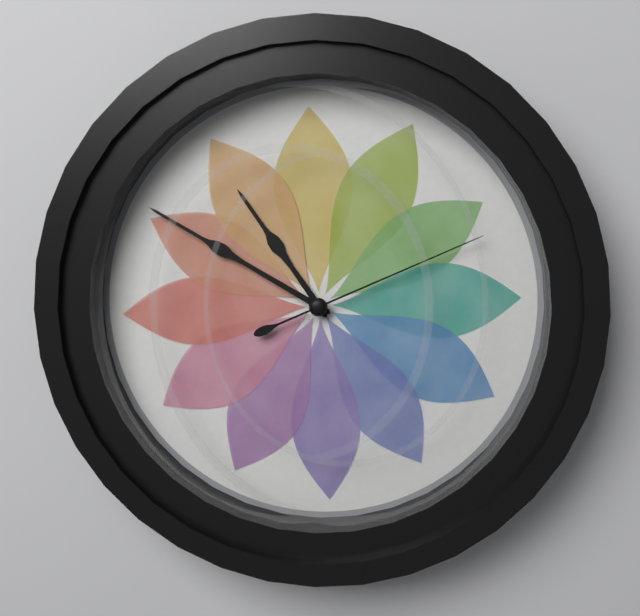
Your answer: 10 h 50 min 11 s
